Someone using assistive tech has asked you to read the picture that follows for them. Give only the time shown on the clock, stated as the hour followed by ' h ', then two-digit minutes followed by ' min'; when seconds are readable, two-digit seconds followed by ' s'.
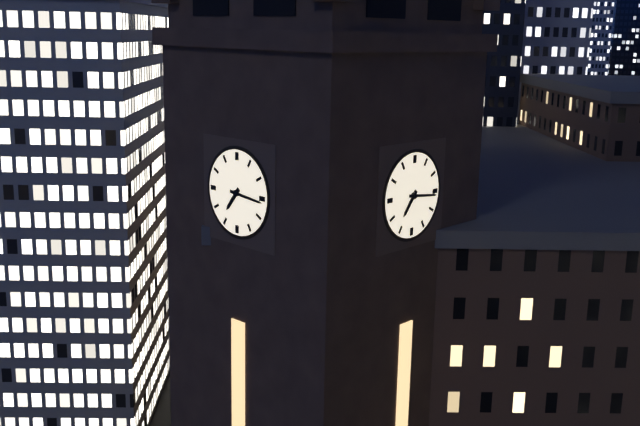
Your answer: 7 h 16 min
